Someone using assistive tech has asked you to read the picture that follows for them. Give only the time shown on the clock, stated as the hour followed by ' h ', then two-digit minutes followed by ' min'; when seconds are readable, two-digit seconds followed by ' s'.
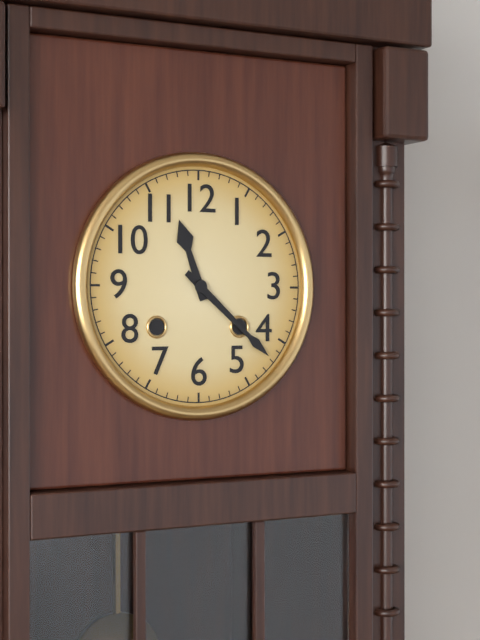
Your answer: 11 h 22 min
